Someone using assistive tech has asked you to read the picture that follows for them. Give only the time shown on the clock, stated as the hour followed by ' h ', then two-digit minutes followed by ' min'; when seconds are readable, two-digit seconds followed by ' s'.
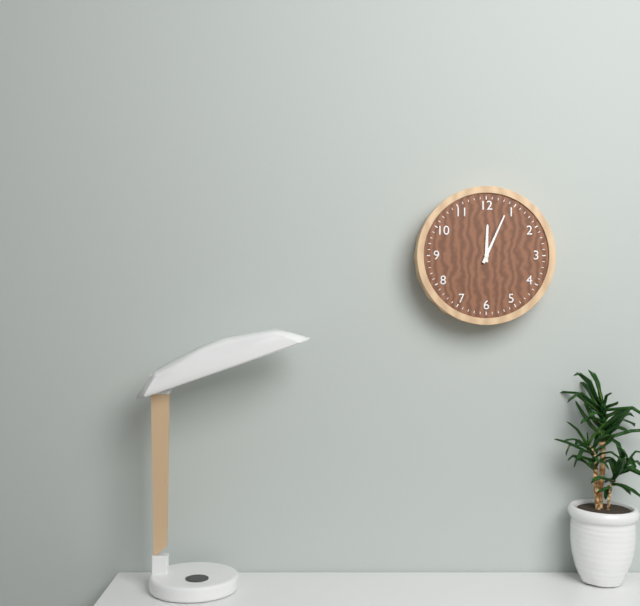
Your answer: 12 h 04 min
